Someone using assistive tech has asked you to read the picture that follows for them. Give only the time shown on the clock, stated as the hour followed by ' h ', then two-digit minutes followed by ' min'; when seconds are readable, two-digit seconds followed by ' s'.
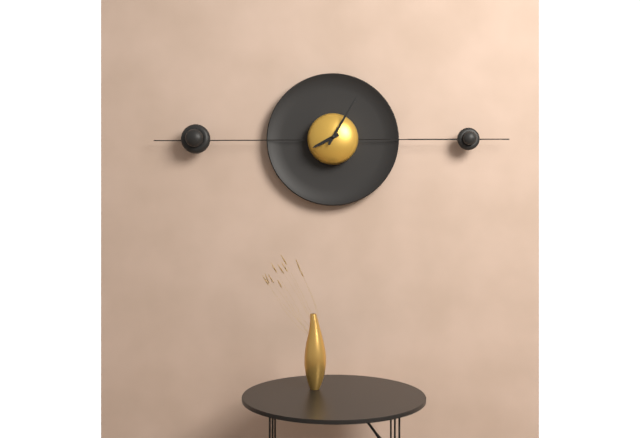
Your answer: 8 h 05 min
